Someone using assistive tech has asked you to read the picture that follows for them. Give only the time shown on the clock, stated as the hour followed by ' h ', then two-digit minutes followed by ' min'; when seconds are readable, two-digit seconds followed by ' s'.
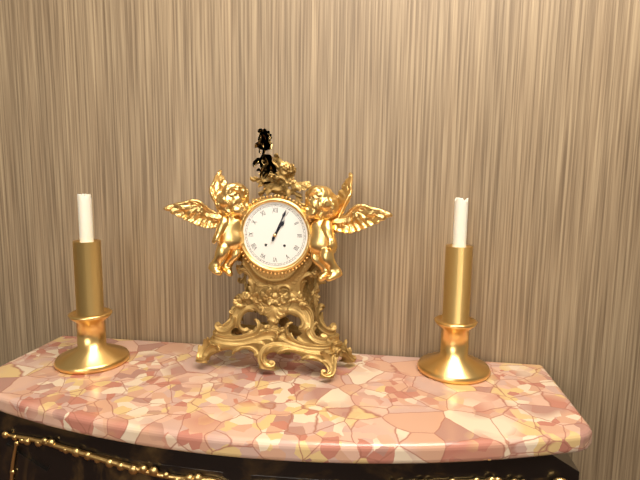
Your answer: 1 h 04 min
